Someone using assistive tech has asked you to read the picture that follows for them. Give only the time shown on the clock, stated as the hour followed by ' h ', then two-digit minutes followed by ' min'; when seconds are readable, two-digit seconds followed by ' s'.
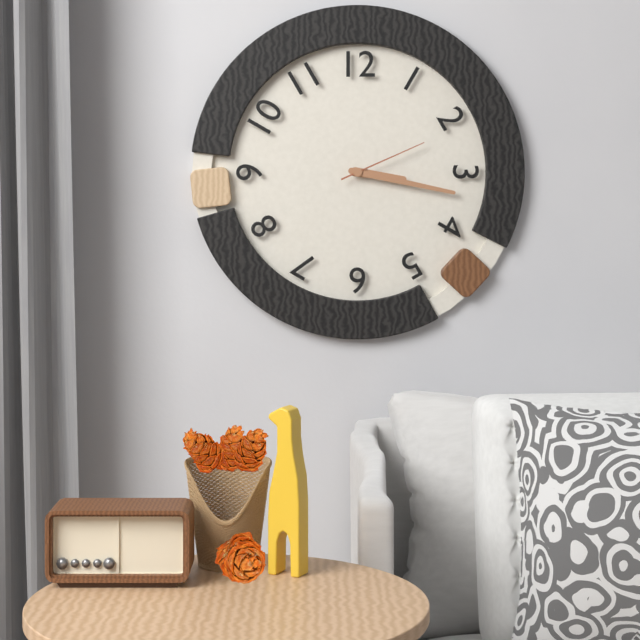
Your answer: 3 h 17 min 11 s
